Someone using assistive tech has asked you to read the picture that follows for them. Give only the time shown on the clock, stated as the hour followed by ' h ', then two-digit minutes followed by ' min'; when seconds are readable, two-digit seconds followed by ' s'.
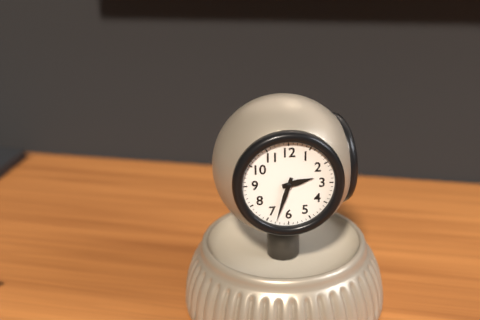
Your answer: 2 h 33 min
